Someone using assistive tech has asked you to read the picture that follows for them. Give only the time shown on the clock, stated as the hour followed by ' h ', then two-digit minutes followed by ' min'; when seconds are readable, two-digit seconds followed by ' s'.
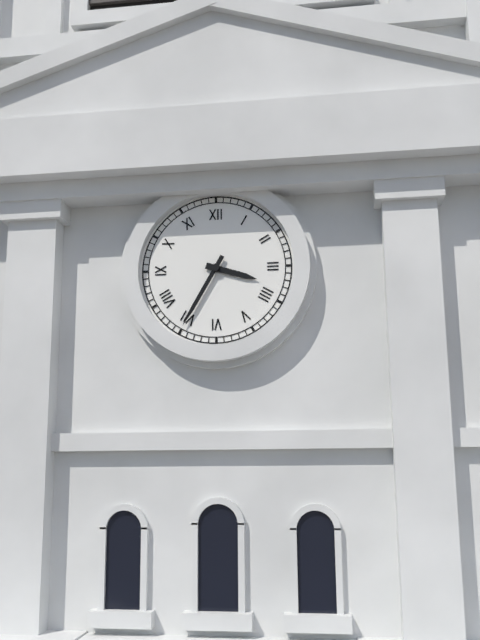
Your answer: 3 h 35 min
